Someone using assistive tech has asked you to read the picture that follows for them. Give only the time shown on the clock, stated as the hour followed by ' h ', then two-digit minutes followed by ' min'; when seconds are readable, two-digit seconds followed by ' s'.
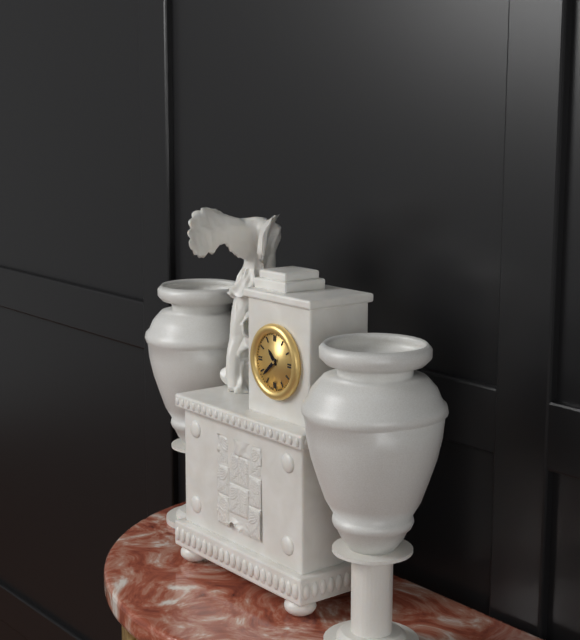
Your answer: 10 h 38 min
